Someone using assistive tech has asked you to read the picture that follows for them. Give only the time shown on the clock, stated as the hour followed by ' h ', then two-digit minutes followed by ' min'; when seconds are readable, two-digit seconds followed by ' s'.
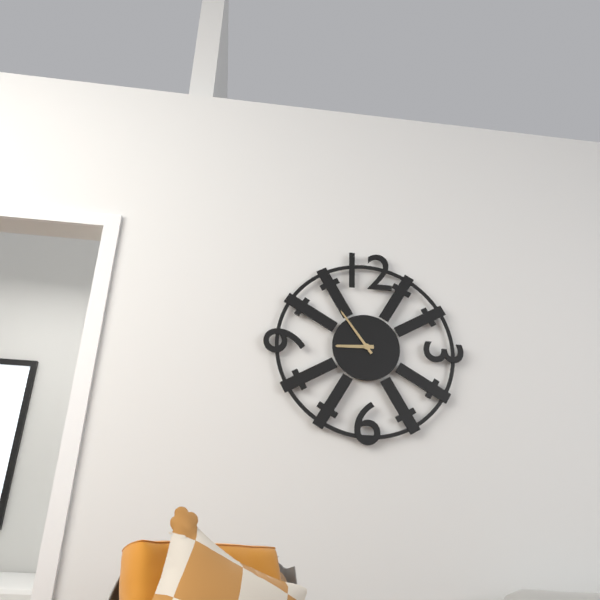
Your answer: 8 h 54 min
